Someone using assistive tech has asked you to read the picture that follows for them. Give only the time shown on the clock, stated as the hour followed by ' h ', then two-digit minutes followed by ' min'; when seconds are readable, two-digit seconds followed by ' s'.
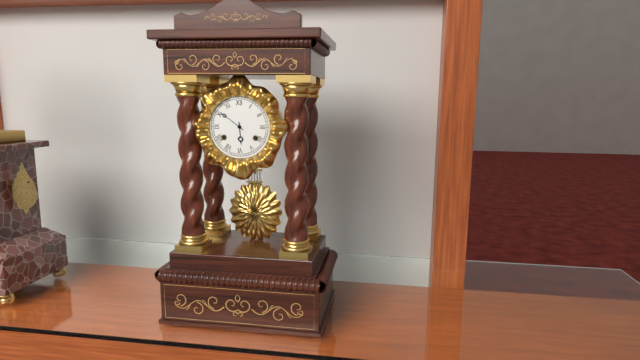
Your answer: 5 h 51 min
